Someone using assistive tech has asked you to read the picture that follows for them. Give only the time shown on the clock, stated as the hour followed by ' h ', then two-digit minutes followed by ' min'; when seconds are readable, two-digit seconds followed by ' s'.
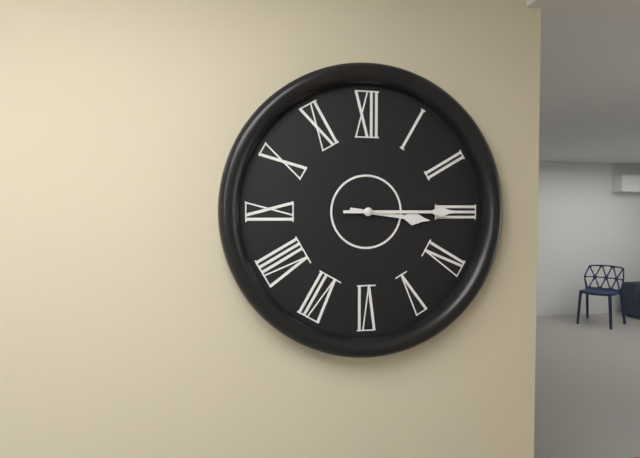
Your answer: 3 h 15 min
